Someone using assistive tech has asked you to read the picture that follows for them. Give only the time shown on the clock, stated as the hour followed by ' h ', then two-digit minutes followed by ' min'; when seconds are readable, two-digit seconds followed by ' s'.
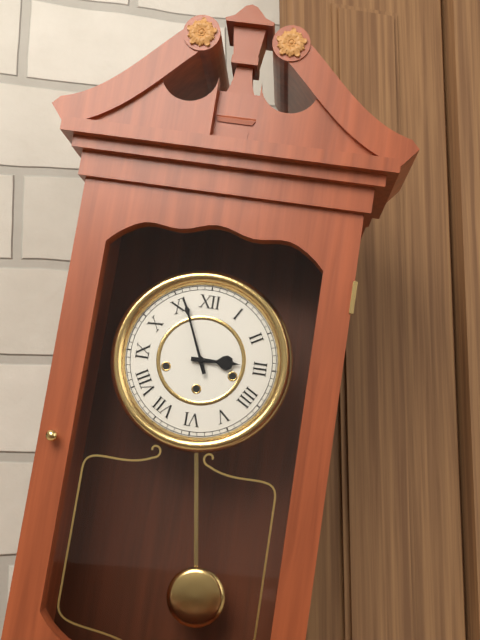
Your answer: 2 h 56 min
